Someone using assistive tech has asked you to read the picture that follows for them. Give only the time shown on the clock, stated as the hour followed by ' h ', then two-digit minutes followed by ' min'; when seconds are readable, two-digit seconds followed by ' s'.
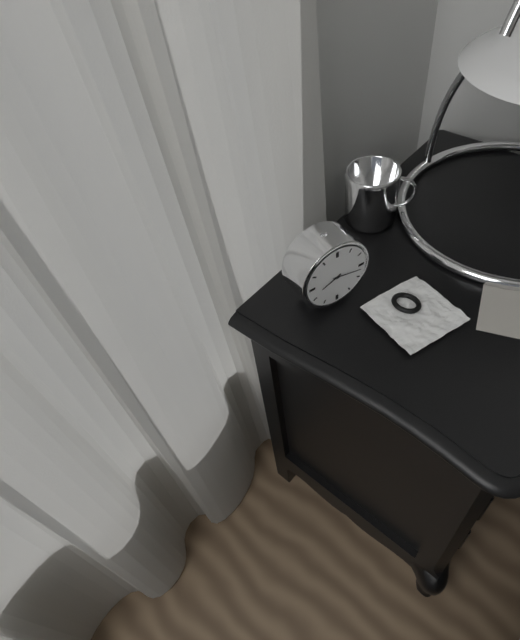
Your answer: 8 h 17 min
